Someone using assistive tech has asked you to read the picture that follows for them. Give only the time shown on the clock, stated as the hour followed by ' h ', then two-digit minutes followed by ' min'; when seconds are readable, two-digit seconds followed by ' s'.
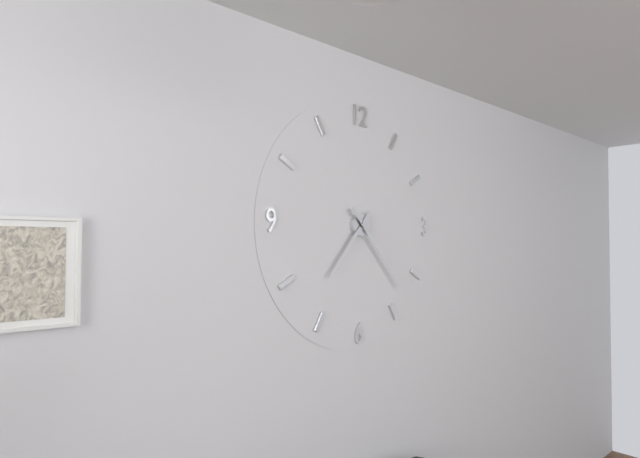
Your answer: 7 h 23 min
